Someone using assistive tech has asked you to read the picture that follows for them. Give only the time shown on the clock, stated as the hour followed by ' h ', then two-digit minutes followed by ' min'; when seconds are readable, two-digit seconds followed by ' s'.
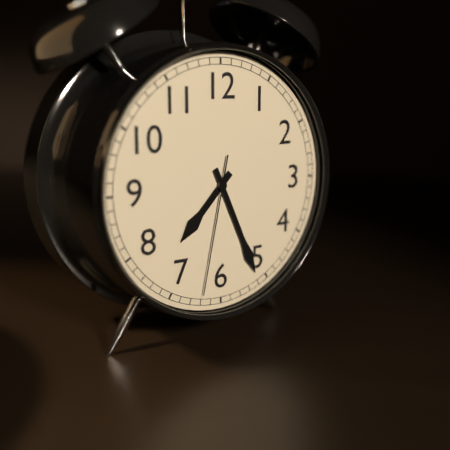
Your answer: 7 h 26 min 32 s
